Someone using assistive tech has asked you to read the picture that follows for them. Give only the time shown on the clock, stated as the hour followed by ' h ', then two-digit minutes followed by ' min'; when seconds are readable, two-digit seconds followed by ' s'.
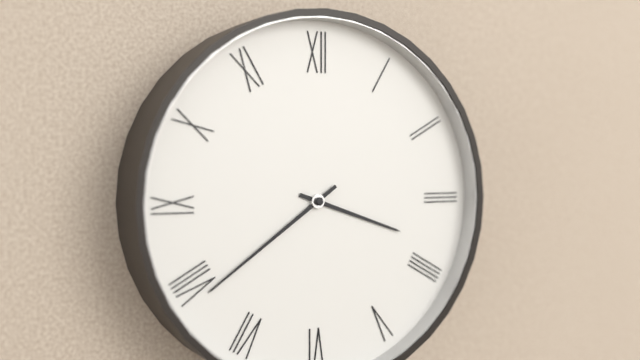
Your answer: 3 h 39 min
